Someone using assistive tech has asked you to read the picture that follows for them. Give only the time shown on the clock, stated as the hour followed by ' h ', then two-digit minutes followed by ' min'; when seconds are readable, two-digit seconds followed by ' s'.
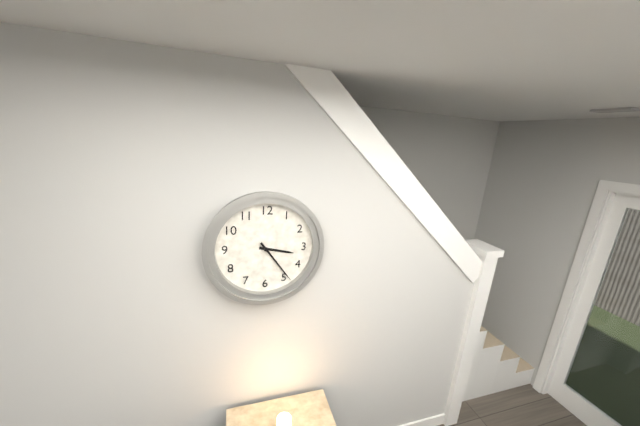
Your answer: 3 h 24 min
